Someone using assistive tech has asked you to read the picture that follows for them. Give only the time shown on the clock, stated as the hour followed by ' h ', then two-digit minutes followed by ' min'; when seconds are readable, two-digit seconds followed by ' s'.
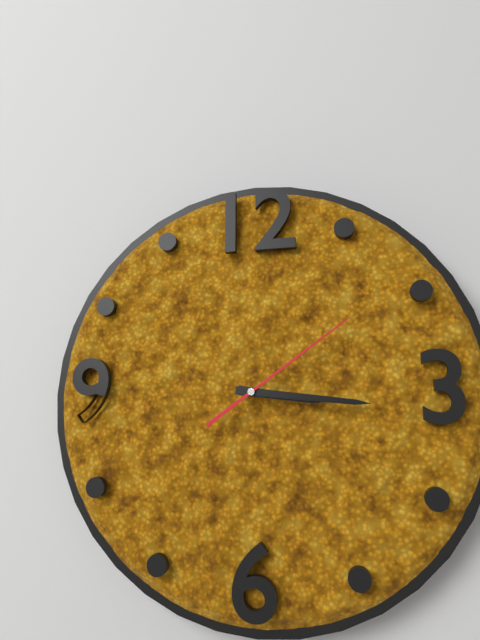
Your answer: 3 h 16 min 09 s
